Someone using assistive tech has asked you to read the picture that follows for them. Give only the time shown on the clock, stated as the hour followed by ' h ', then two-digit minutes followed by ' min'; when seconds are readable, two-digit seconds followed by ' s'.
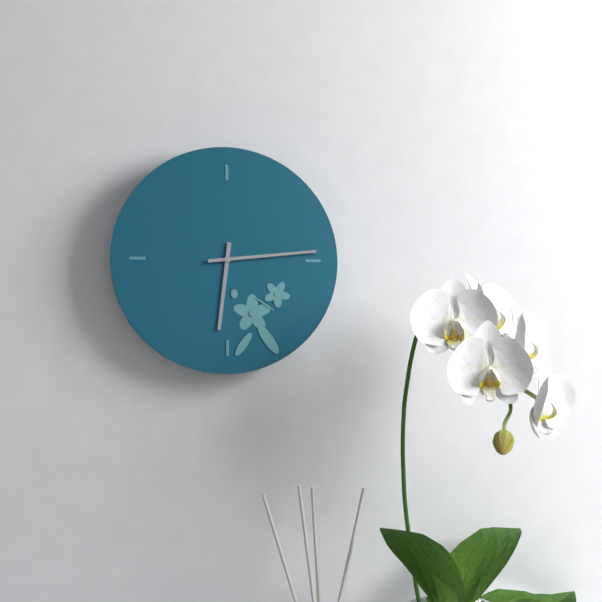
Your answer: 6 h 14 min
